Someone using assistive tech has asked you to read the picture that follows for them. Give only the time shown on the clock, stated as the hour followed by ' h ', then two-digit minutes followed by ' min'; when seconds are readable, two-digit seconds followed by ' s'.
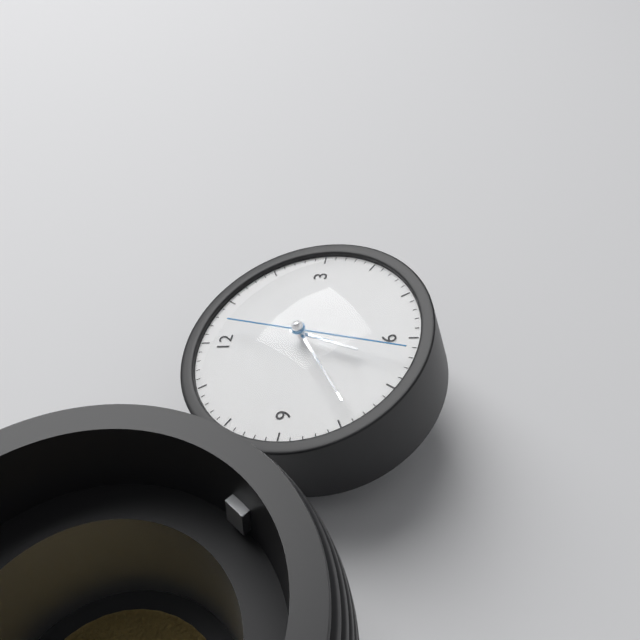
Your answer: 6 h 39 min 32 s
